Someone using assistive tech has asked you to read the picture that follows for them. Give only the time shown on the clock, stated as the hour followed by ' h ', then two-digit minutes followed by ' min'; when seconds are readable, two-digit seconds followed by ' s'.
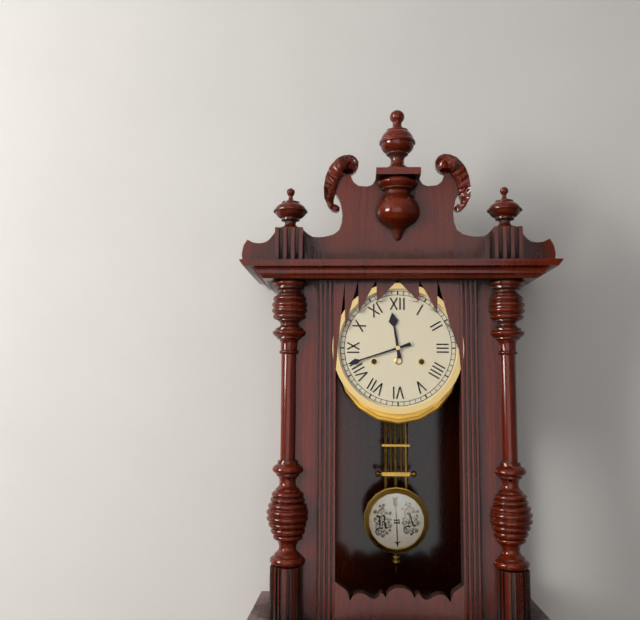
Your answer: 11 h 42 min
